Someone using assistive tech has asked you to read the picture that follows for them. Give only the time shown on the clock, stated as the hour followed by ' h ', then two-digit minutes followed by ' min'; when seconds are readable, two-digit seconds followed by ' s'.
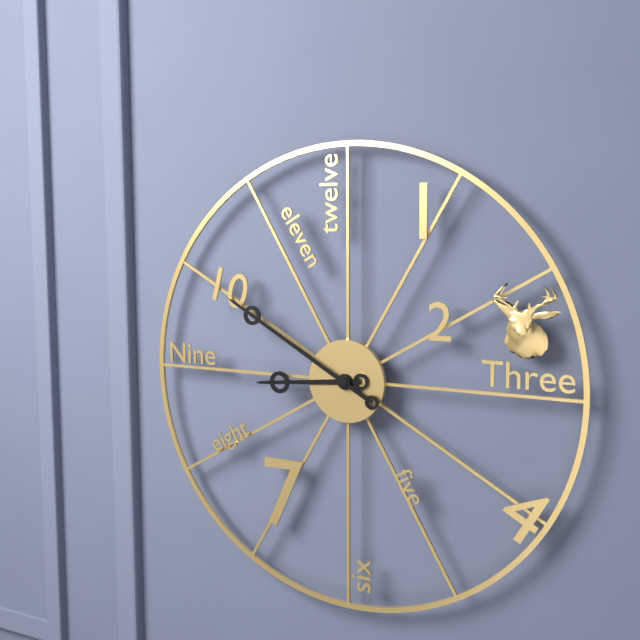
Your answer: 8 h 50 min
